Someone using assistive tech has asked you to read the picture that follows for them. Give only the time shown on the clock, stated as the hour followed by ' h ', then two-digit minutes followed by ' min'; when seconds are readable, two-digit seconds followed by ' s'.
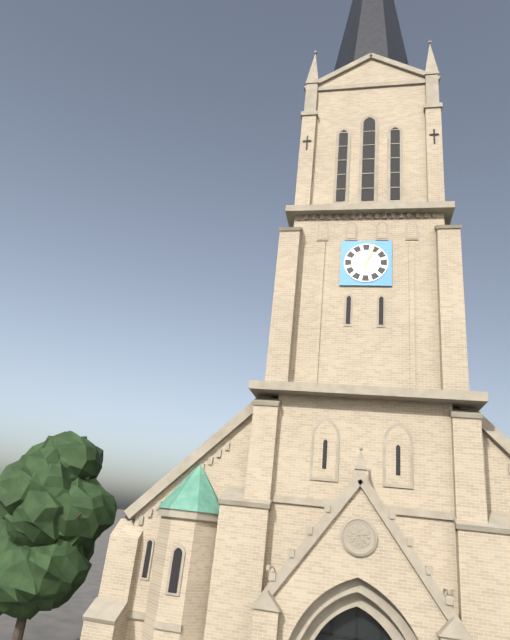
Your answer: 6 h 04 min
